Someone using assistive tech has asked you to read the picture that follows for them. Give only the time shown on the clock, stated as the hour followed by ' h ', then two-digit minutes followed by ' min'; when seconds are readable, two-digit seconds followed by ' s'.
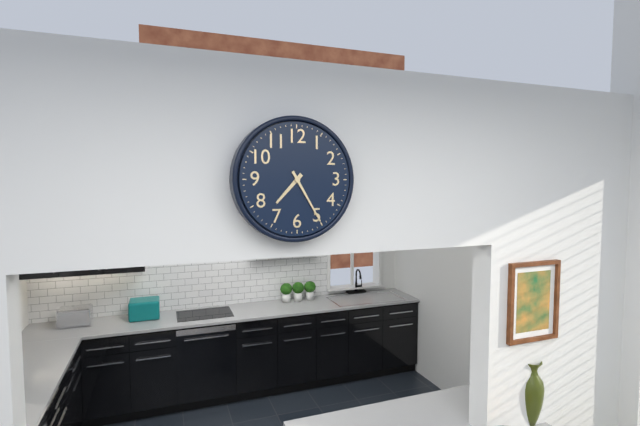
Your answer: 7 h 25 min
